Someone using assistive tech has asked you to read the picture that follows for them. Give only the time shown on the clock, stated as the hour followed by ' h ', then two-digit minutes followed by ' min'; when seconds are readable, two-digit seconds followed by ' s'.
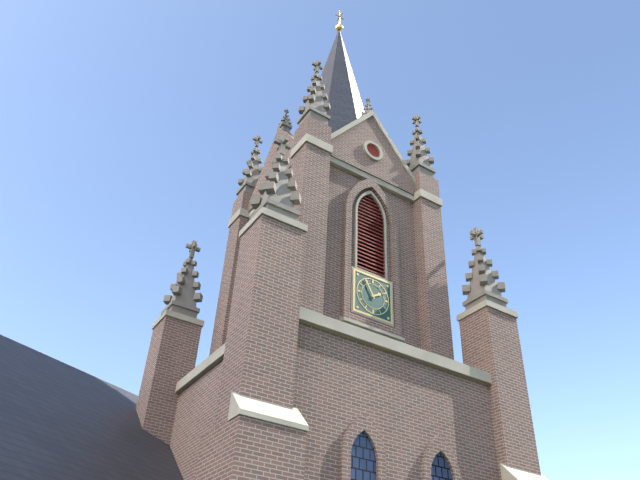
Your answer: 1 h 55 min
